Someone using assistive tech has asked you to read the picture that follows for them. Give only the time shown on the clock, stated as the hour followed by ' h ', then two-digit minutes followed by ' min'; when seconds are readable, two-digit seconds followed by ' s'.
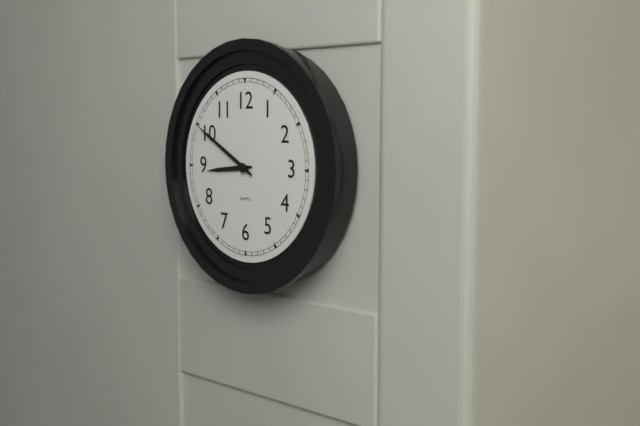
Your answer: 8 h 50 min
